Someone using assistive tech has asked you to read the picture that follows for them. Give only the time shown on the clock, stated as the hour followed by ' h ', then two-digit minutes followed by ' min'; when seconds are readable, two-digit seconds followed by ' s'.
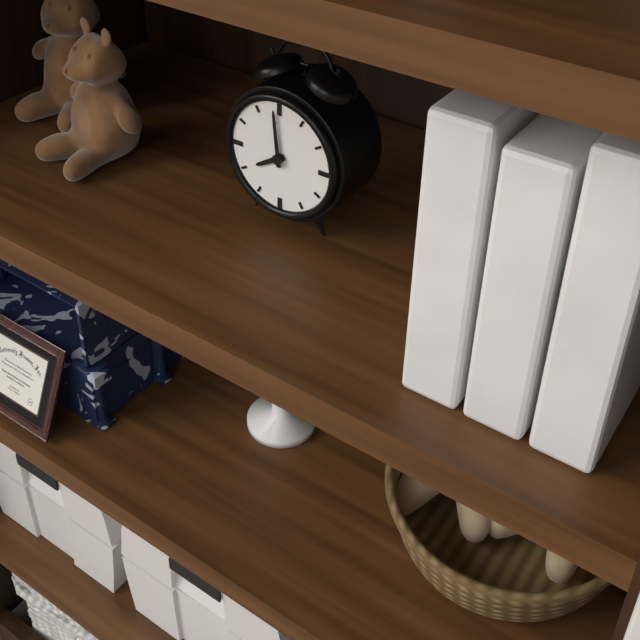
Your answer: 7 h 59 min
